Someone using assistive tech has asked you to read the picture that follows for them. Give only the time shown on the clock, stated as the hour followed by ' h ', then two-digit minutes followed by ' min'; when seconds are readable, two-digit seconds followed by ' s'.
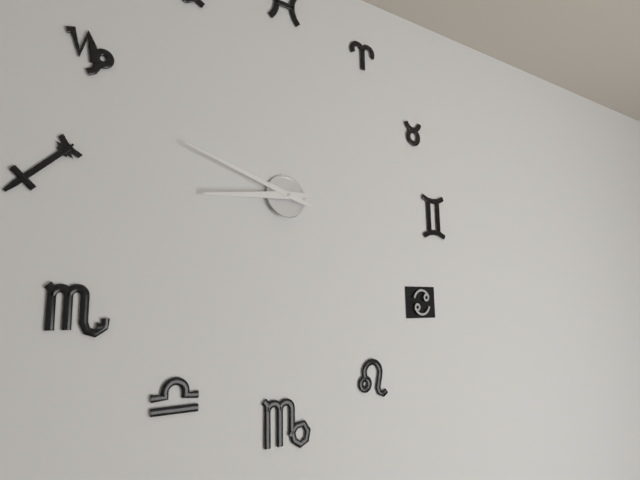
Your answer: 8 h 48 min
